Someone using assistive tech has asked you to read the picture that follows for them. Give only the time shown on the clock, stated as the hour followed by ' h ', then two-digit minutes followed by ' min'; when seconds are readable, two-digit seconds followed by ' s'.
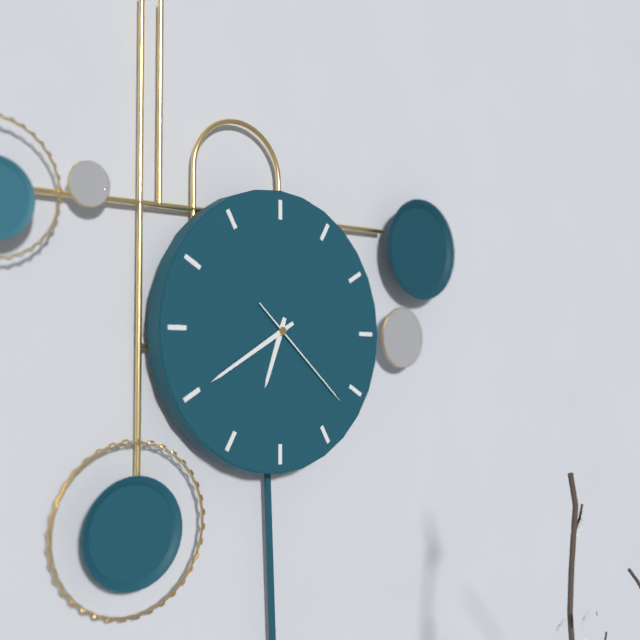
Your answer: 6 h 40 min 22 s
